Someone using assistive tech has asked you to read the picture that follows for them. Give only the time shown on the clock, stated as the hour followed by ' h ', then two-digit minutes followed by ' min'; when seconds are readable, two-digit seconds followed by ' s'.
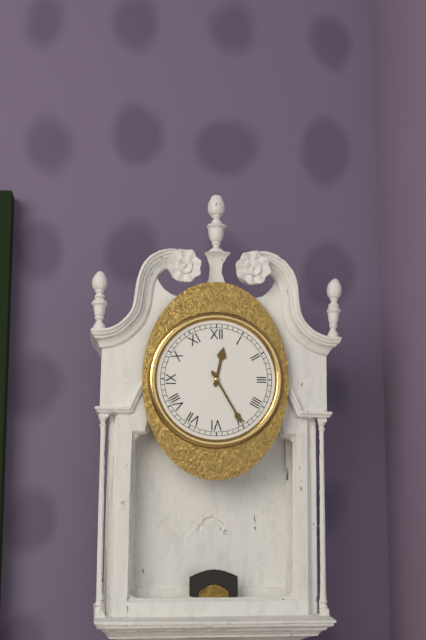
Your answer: 12 h 25 min
